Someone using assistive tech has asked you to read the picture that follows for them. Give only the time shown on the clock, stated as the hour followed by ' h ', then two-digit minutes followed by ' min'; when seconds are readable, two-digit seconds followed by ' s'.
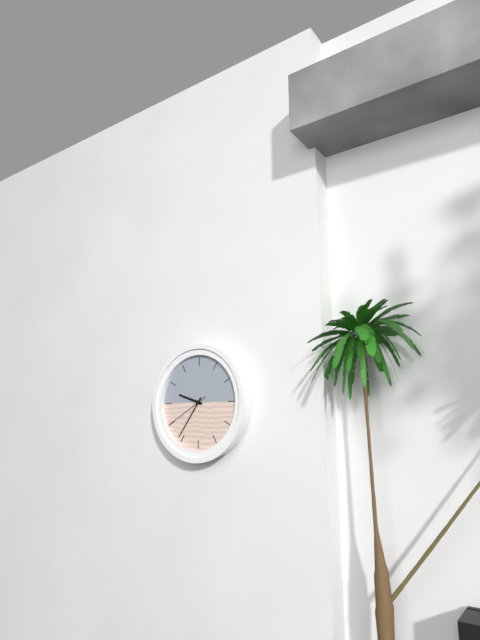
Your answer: 9 h 36 min
